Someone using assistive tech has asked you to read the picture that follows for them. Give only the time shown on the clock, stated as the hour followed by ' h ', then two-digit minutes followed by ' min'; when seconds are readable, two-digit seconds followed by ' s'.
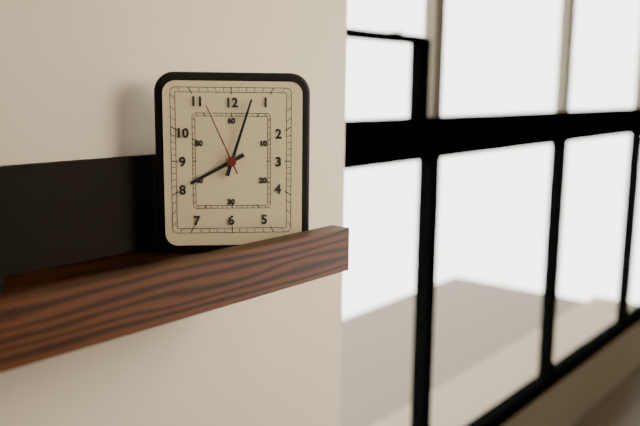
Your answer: 8 h 03 min 56 s
